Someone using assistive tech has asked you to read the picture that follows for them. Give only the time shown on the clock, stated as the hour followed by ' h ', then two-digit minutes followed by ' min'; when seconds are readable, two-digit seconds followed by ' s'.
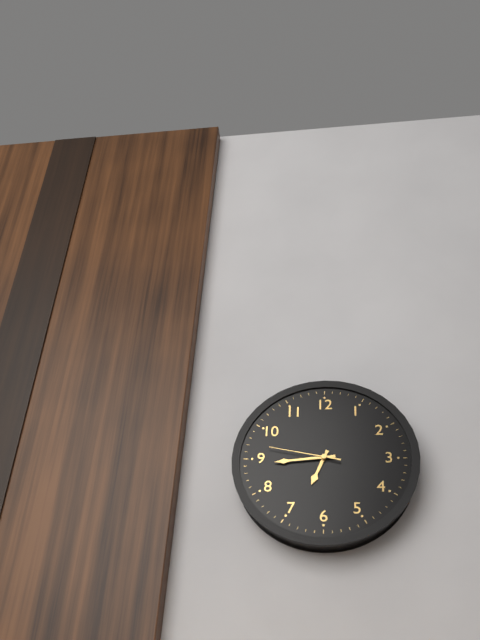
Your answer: 6 h 44 min 47 s
